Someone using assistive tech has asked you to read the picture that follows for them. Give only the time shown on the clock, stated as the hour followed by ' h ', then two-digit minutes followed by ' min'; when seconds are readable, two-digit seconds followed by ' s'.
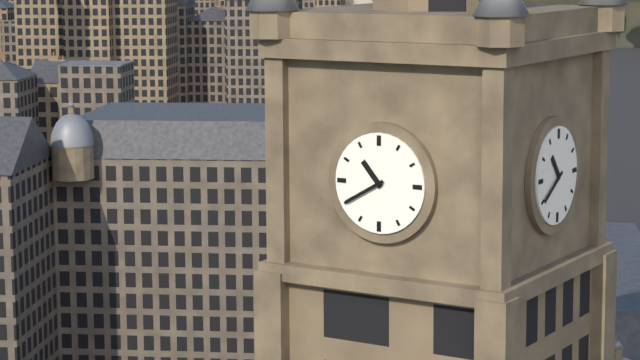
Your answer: 10 h 40 min
